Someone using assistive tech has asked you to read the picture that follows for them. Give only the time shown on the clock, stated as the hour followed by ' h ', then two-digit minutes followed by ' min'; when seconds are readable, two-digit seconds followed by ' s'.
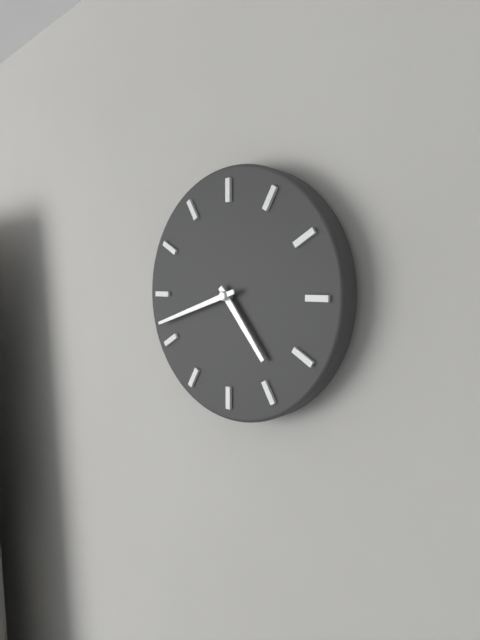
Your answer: 4 h 42 min
